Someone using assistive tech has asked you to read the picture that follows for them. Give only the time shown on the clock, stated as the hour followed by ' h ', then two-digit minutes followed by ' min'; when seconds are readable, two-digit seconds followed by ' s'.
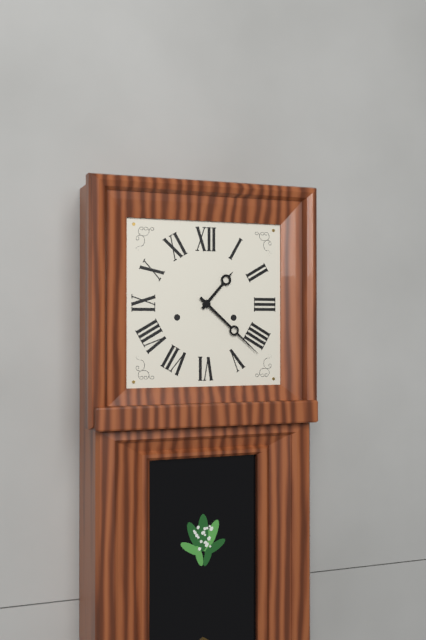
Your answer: 1 h 22 min
